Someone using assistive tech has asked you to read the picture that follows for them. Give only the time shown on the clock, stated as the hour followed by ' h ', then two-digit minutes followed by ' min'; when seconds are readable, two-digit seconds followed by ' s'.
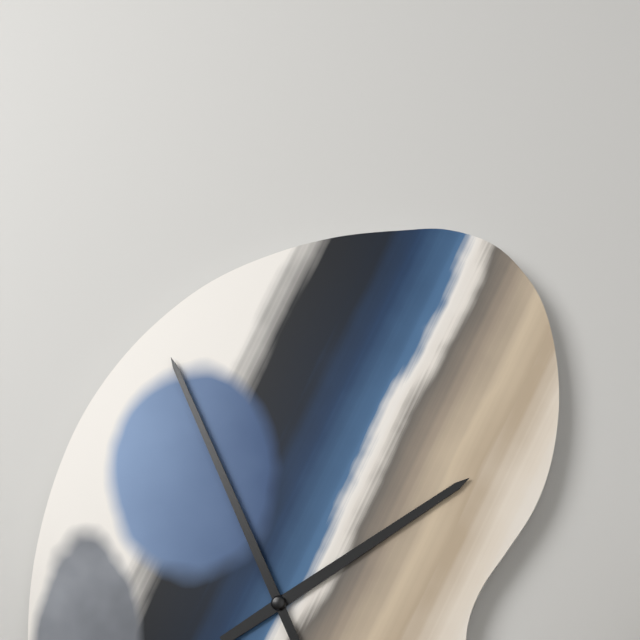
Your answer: 1 h 56 min
